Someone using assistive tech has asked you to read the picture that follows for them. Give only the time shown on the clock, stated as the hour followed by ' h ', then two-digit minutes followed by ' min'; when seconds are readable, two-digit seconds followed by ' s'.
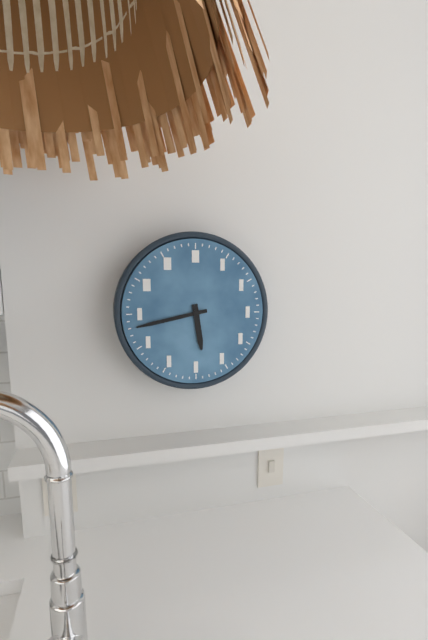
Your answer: 5 h 43 min
